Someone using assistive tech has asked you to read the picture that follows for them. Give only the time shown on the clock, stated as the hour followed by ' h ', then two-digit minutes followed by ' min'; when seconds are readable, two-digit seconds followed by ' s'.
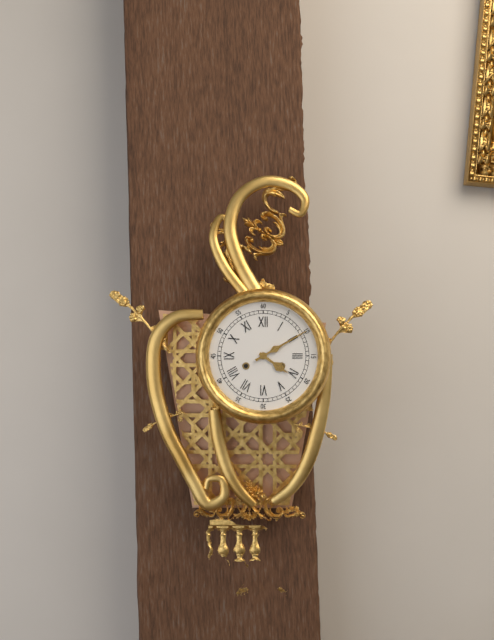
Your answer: 4 h 10 min
